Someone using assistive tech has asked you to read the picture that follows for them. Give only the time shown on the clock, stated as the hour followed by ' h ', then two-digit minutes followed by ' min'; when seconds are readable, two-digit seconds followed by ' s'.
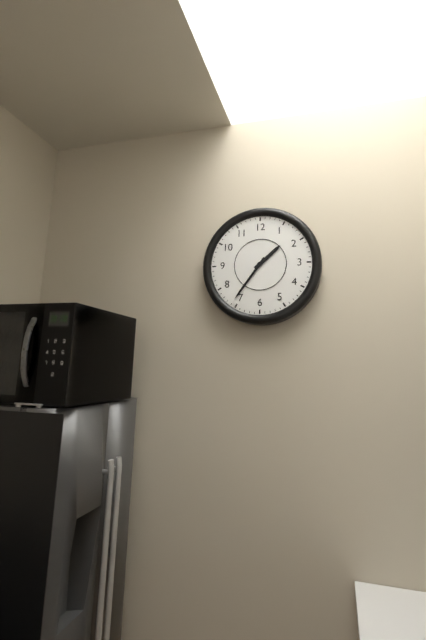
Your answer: 1 h 36 min
